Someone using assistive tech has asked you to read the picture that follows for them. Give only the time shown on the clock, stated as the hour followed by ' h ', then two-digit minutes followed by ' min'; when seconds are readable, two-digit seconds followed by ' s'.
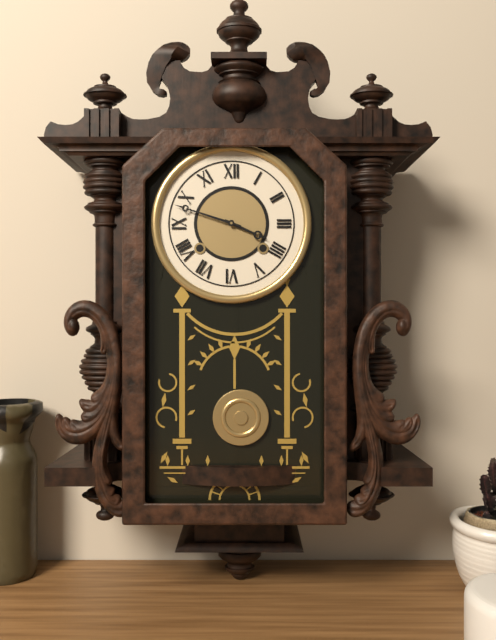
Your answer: 3 h 48 min
